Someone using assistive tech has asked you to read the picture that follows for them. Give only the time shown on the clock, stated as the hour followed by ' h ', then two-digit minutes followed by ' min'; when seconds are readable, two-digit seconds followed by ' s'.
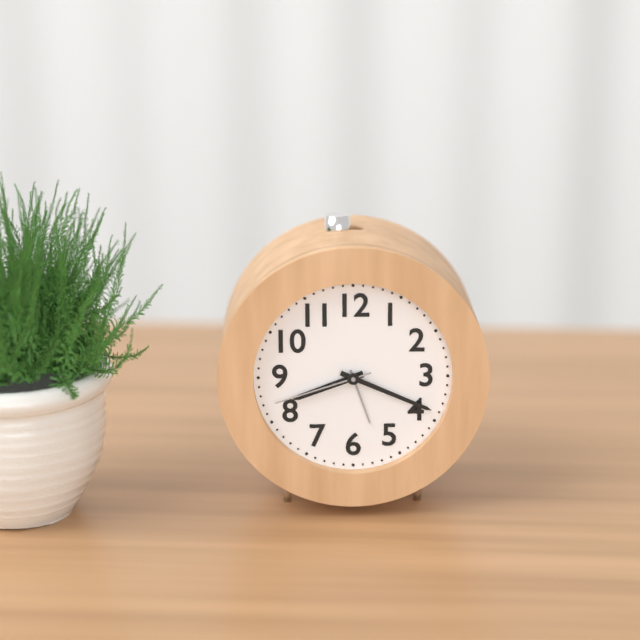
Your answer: 8 h 19 min 42 s
